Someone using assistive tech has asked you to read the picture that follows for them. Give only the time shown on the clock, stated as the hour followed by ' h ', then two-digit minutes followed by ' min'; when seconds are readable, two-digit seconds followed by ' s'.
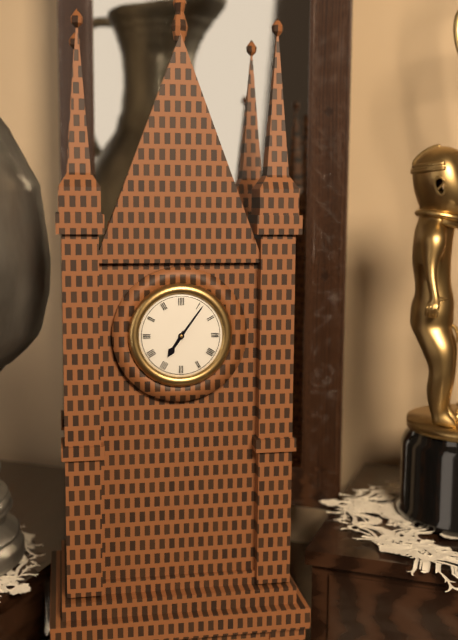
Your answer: 7 h 06 min
